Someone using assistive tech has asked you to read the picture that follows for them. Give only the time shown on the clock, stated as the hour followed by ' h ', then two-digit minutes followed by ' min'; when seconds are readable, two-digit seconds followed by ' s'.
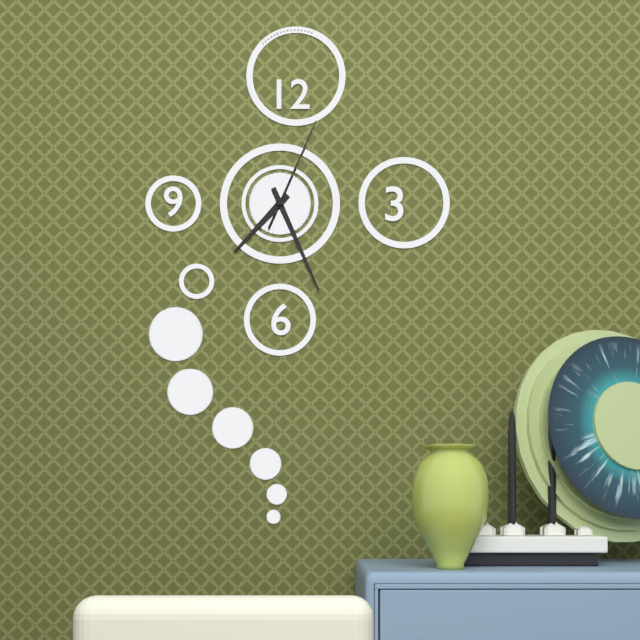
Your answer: 7 h 26 min 04 s
